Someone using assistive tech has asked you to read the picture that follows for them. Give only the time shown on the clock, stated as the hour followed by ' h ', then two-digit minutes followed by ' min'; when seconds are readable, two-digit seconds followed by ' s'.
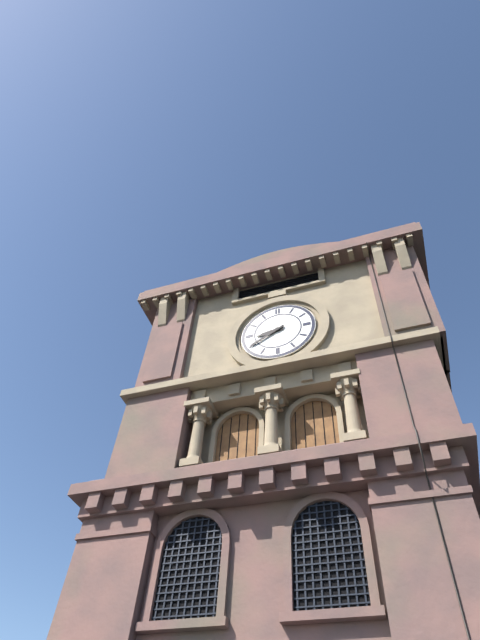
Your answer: 8 h 40 min
